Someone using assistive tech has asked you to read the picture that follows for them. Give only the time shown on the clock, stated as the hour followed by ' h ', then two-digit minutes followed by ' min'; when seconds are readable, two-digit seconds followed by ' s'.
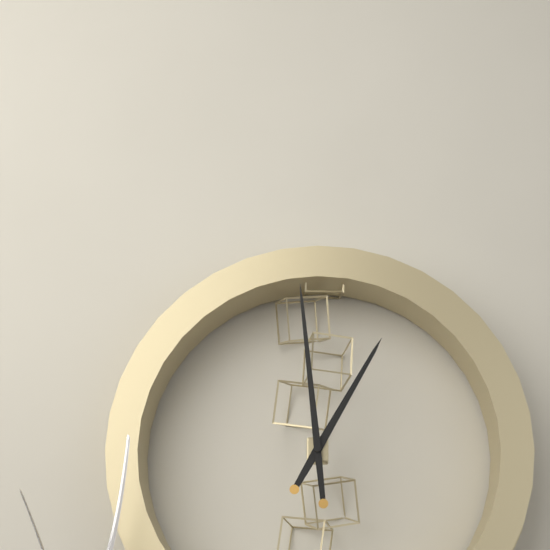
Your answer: 12 h 59 min
